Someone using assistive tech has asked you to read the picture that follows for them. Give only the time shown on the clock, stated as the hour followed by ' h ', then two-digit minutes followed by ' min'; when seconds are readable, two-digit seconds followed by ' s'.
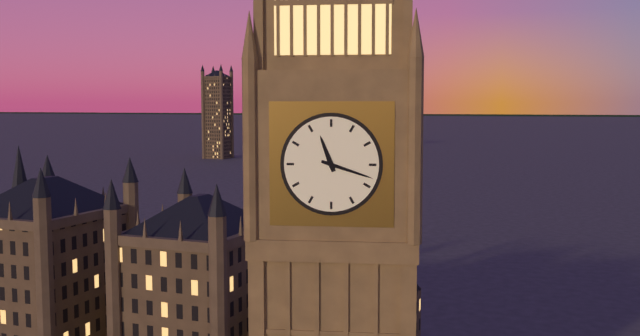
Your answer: 11 h 18 min
